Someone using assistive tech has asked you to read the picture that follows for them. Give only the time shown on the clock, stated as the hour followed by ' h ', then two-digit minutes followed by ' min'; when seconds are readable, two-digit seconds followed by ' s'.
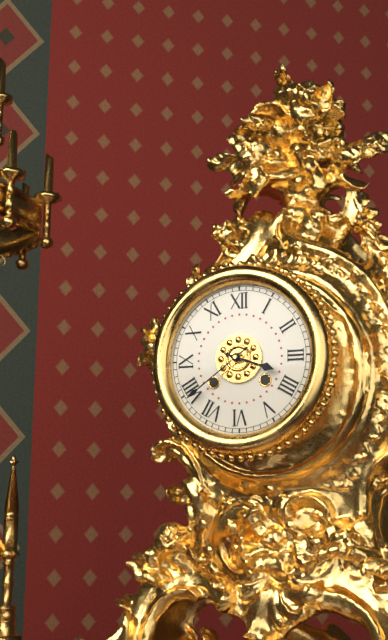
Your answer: 3 h 39 min
